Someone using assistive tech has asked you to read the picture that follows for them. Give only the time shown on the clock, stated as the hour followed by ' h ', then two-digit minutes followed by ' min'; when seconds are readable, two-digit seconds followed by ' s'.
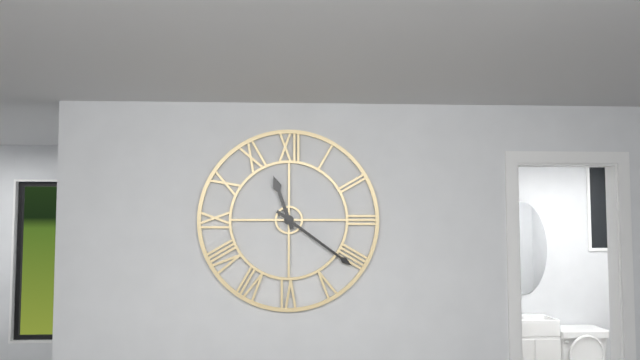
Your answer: 11 h 21 min
